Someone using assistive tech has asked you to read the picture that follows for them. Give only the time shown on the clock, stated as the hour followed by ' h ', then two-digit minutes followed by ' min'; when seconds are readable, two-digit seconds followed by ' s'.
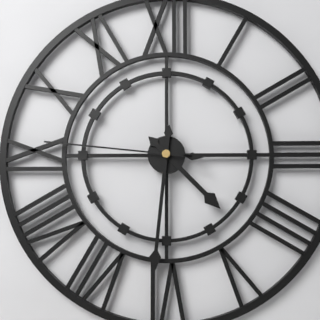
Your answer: 4 h 31 min 46 s
